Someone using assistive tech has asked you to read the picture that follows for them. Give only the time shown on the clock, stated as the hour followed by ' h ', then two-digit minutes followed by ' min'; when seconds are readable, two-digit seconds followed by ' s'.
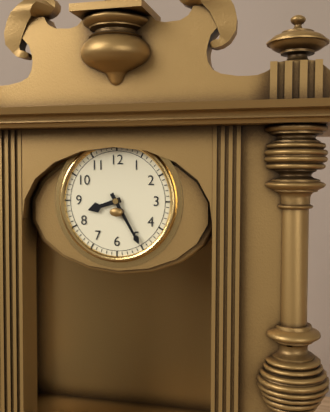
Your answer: 8 h 25 min
